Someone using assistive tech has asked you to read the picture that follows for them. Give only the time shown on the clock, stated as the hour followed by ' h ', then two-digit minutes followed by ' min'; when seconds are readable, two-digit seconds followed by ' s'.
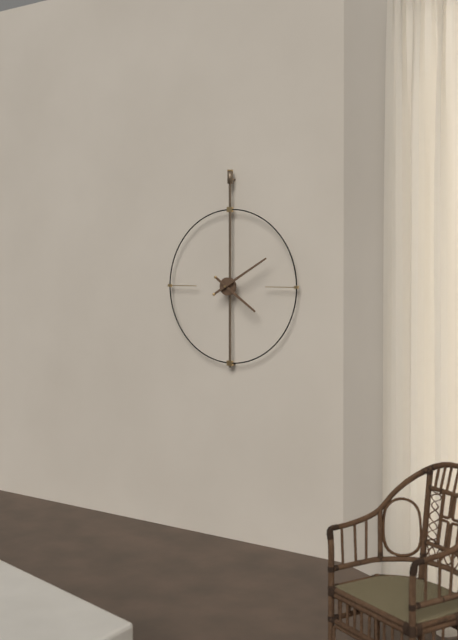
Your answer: 4 h 10 min
